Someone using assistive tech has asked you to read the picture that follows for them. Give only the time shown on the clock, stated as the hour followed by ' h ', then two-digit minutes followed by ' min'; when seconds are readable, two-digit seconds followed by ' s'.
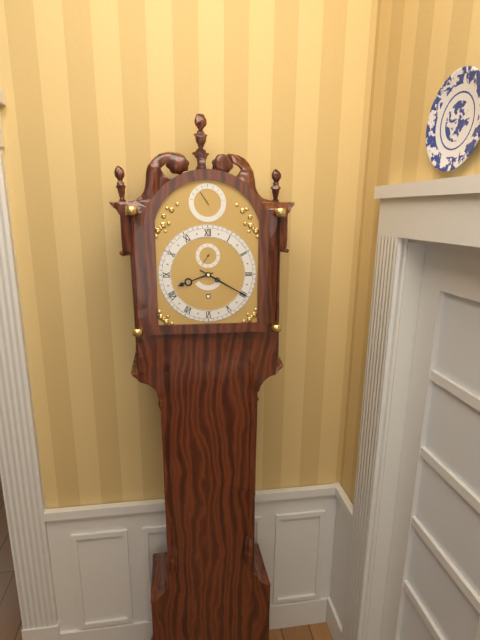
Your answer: 8 h 20 min
